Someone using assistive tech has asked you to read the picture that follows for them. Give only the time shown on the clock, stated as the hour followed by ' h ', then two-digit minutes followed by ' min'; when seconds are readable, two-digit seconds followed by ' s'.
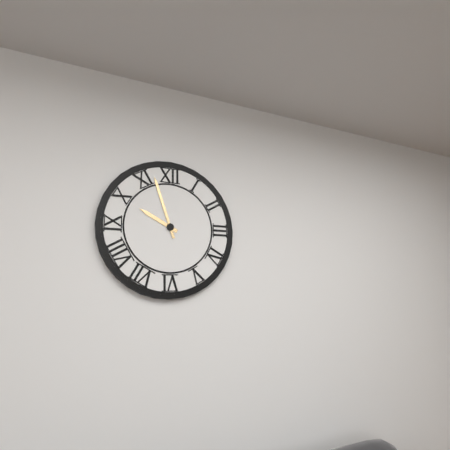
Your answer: 9 h 57 min
